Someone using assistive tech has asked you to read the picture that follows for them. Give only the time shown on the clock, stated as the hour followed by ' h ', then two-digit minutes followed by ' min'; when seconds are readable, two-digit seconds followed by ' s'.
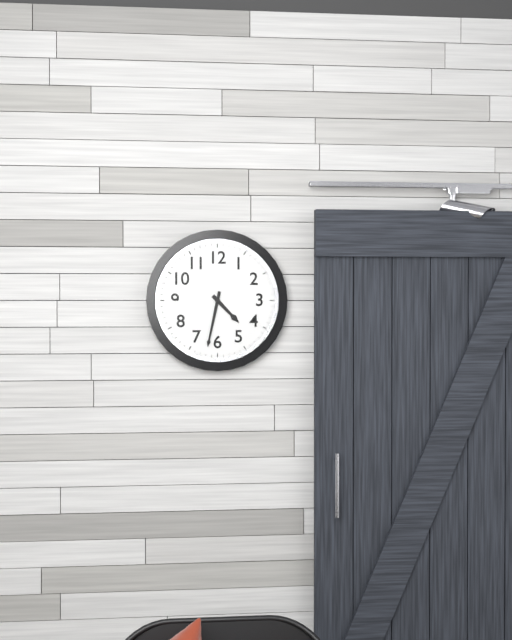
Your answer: 4 h 32 min
